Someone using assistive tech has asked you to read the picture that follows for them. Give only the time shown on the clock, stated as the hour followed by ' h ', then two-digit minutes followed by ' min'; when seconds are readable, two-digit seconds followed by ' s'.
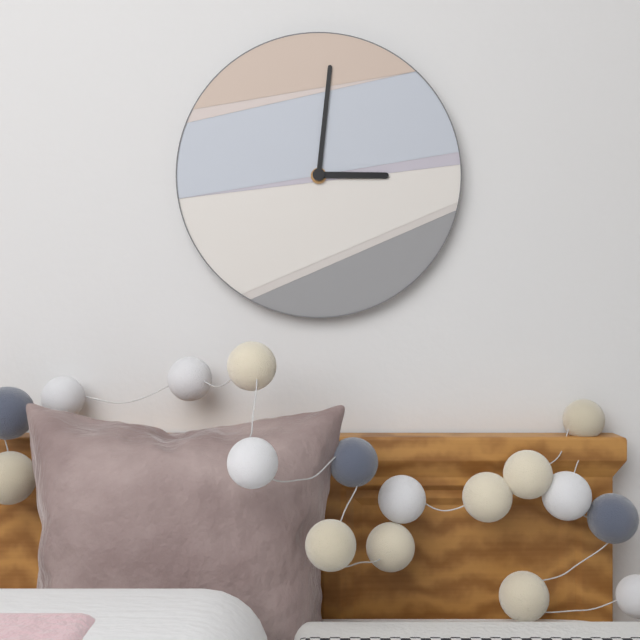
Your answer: 3 h 01 min
